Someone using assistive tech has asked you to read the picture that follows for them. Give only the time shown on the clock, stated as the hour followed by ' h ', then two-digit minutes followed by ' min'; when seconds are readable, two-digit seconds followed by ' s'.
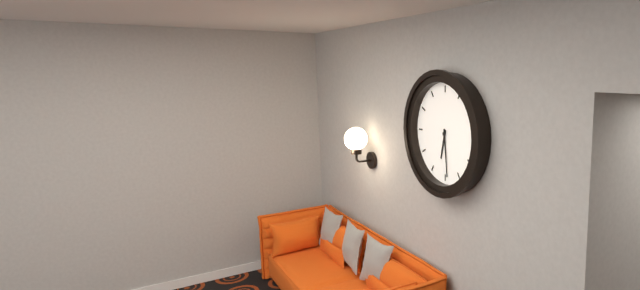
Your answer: 6 h 29 min
